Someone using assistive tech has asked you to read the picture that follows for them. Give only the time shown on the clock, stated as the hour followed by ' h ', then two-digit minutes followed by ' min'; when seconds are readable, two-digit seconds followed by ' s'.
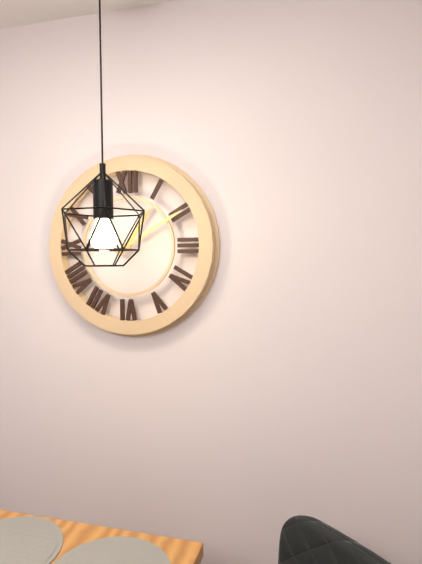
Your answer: 1 h 10 min
